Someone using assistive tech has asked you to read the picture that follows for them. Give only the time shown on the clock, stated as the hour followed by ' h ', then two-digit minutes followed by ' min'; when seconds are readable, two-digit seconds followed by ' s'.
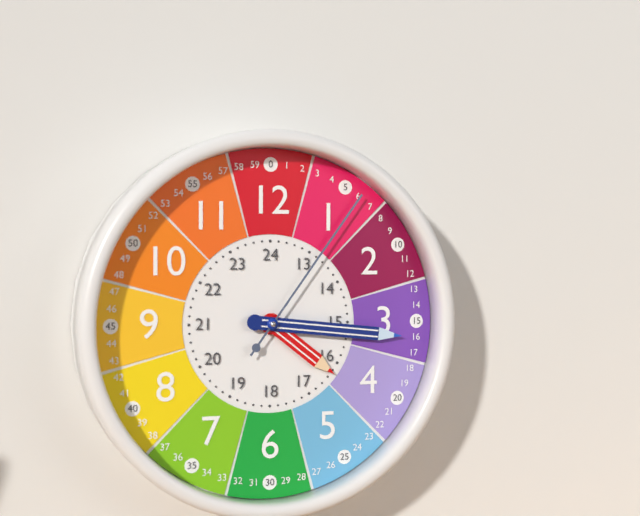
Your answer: 4 h 16 min 06 s
